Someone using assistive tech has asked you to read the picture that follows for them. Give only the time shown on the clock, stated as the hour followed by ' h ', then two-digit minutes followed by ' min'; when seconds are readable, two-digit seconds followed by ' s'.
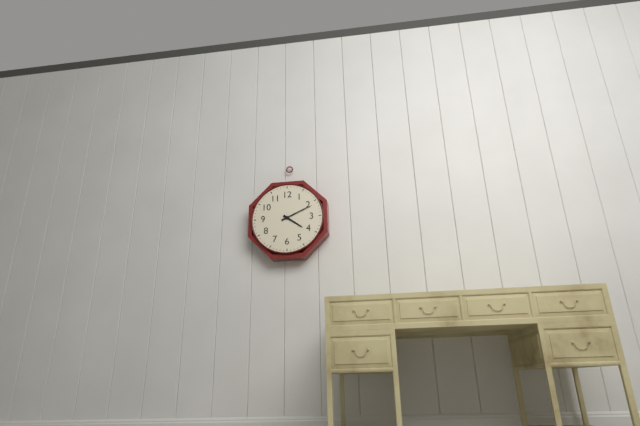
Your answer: 4 h 11 min
